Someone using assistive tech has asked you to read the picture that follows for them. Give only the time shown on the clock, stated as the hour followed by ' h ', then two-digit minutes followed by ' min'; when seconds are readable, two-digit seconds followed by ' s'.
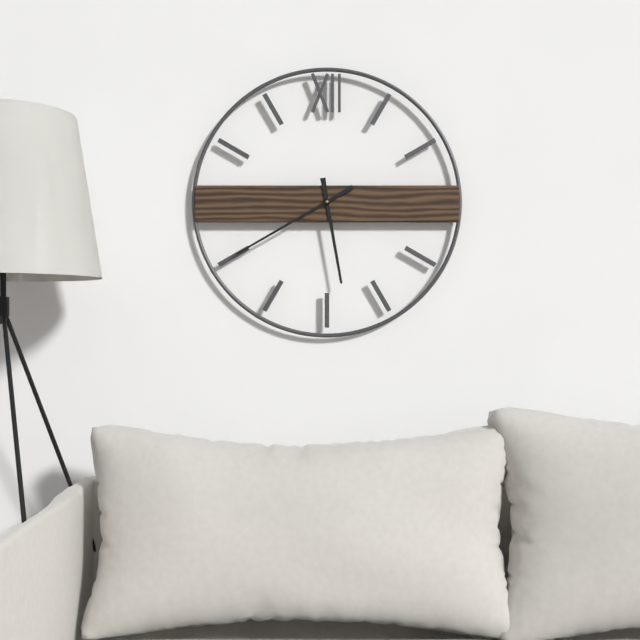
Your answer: 5 h 40 min
